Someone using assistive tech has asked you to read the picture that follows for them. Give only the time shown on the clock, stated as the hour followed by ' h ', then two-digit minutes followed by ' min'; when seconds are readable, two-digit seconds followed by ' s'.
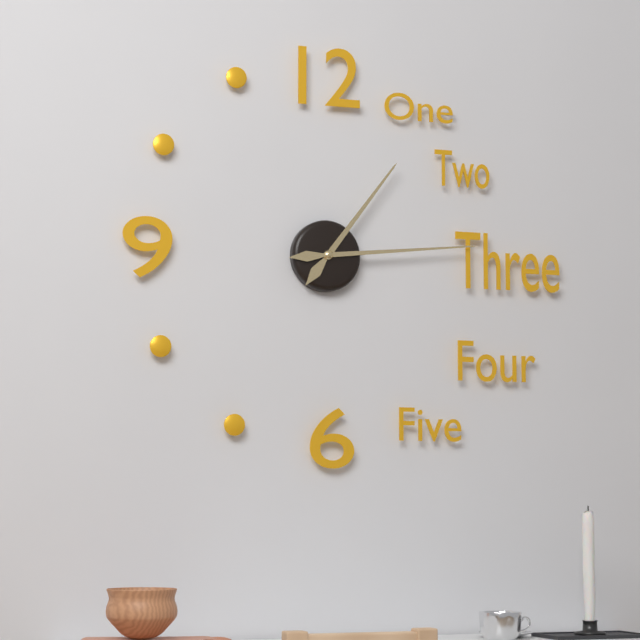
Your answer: 1 h 14 min
